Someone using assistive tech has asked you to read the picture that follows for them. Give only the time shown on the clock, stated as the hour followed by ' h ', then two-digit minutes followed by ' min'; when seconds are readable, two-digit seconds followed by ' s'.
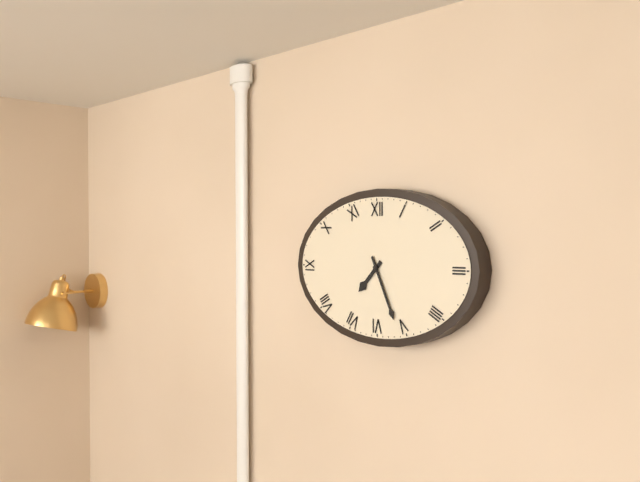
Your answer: 7 h 26 min
